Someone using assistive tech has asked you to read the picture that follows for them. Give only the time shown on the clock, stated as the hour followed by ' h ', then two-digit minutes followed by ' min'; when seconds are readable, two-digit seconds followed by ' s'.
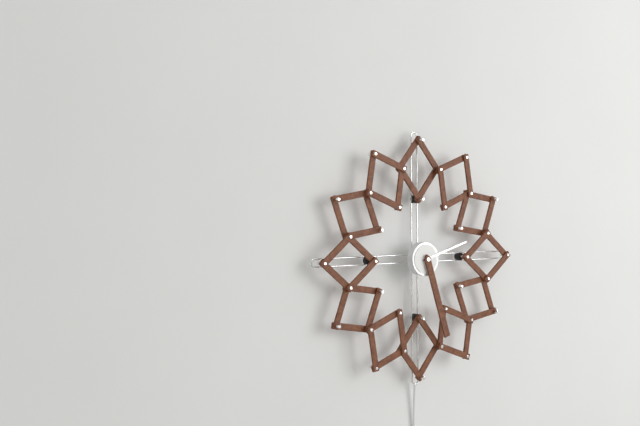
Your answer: 2 h 27 min
